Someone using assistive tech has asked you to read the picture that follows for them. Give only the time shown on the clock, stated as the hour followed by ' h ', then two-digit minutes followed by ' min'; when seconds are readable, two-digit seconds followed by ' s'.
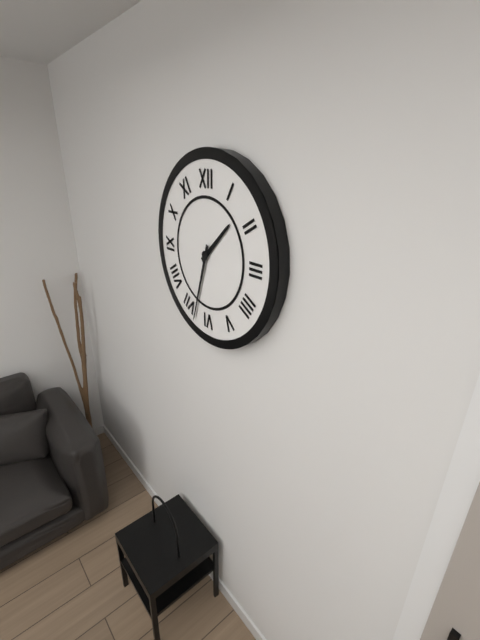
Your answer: 1 h 33 min
